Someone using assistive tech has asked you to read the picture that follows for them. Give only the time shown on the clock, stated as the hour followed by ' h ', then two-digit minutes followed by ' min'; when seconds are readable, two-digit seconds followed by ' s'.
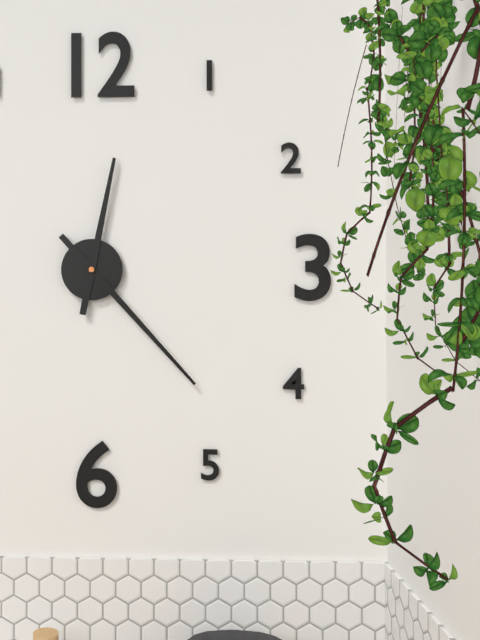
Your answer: 12 h 23 min
